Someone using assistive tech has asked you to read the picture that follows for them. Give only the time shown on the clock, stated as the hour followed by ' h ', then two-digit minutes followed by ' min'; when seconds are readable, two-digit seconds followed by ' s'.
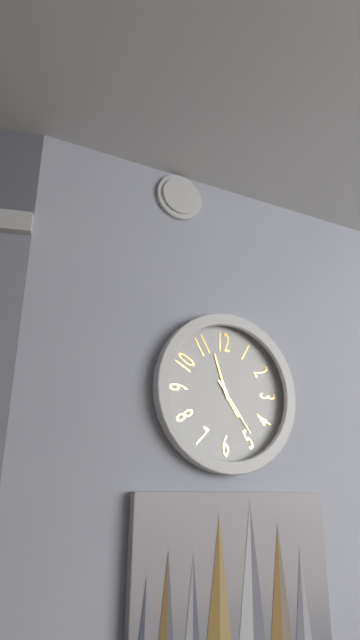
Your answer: 4 h 57 min 24 s
